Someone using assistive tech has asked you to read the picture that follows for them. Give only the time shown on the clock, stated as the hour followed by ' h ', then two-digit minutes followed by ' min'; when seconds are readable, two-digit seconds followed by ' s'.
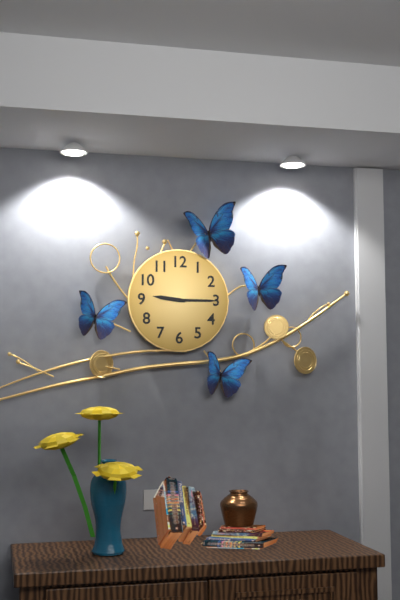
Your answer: 9 h 15 min
